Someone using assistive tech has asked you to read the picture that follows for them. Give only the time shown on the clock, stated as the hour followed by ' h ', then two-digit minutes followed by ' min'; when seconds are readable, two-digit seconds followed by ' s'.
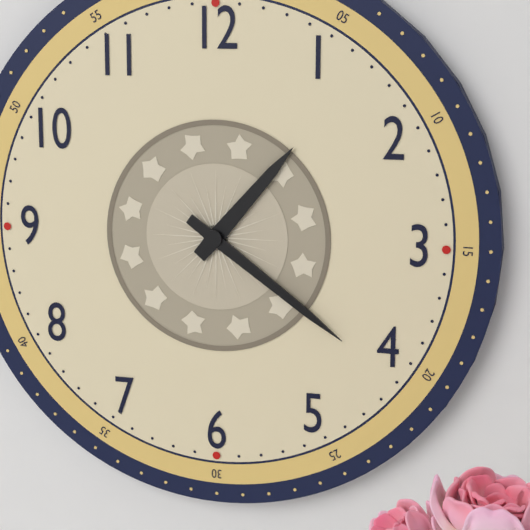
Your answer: 1 h 21 min
